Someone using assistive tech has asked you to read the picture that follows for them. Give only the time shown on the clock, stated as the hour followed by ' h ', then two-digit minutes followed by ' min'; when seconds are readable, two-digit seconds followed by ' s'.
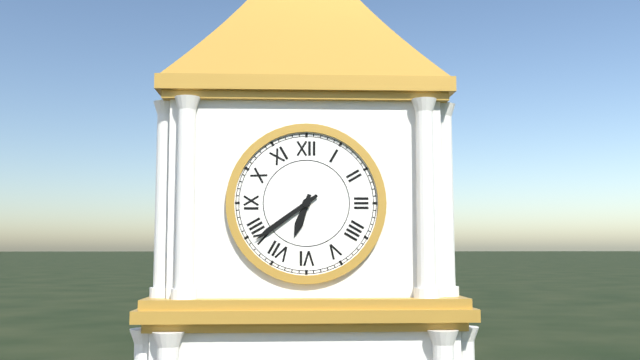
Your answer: 6 h 39 min
